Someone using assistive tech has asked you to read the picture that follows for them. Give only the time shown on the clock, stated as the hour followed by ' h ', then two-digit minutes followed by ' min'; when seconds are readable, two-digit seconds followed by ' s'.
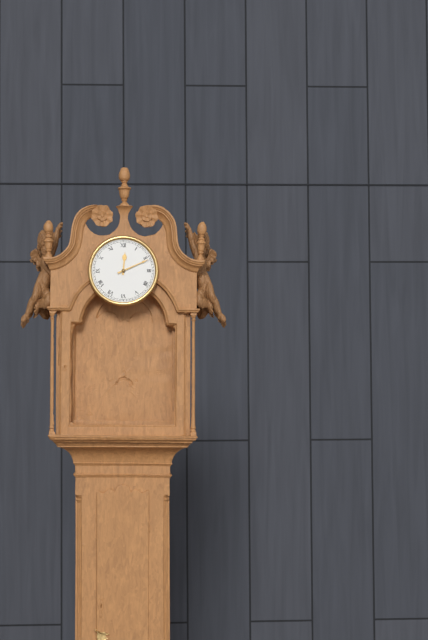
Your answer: 12 h 11 min
